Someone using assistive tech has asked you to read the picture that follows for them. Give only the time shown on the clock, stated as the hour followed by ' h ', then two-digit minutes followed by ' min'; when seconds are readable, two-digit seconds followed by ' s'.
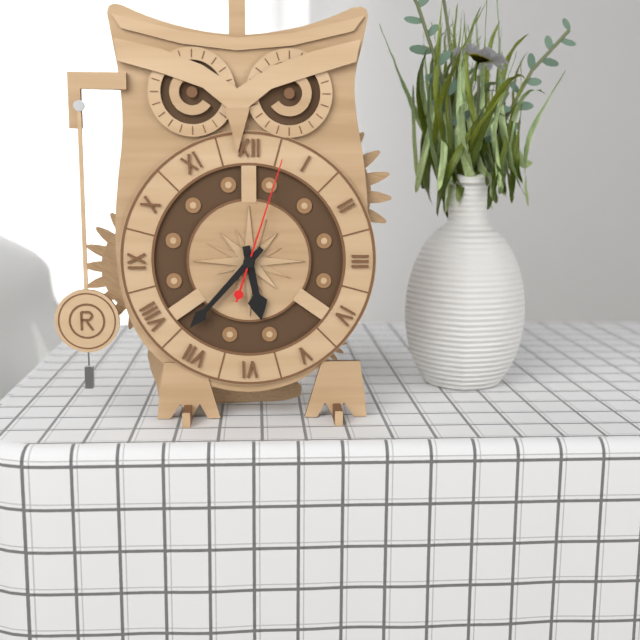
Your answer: 5 h 37 min 03 s
